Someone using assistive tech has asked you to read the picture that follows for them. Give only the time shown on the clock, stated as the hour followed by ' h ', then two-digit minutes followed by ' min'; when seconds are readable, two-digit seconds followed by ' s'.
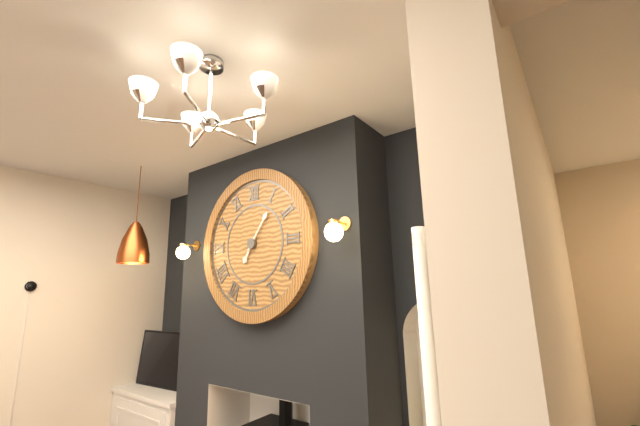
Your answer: 7 h 06 min
